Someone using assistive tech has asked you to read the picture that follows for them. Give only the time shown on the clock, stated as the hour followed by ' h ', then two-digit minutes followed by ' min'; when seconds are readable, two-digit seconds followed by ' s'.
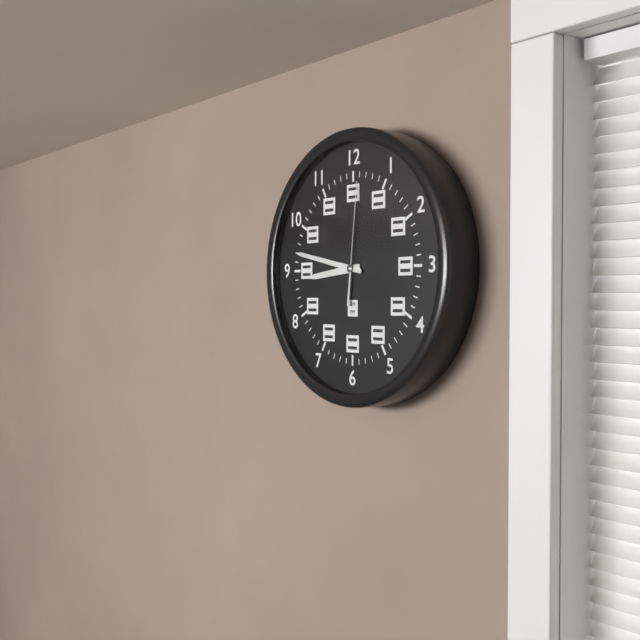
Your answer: 8 h 47 min 01 s
